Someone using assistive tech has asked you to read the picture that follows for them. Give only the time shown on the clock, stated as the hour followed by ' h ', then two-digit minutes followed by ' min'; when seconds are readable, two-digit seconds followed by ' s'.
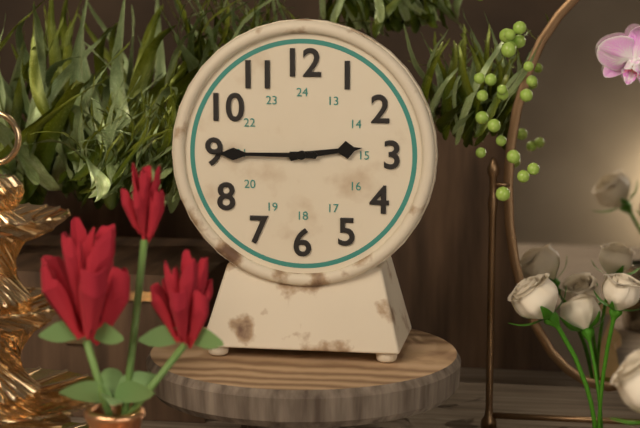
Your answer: 2 h 45 min
